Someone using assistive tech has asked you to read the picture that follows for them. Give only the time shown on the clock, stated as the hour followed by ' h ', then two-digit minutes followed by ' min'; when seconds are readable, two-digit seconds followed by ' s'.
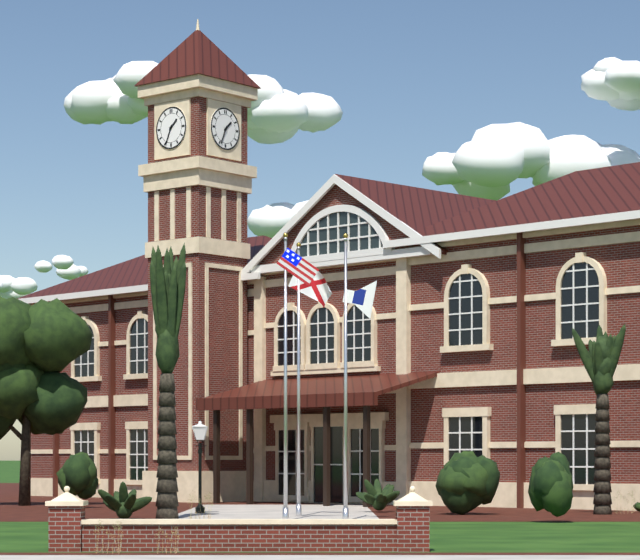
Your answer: 1 h 34 min
